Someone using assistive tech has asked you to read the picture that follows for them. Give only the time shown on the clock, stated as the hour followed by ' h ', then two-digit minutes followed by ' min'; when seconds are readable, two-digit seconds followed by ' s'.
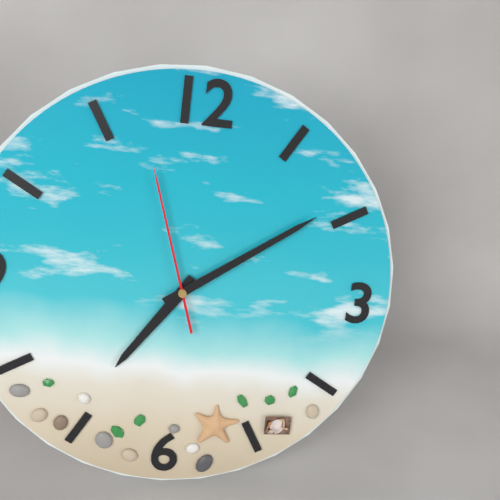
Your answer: 7 h 09 min 57 s
